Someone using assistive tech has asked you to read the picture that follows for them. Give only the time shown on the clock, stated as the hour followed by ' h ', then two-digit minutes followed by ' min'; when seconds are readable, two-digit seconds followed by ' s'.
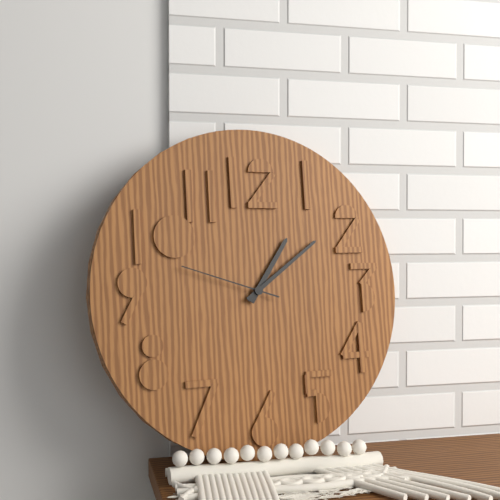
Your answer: 1 h 09 min 48 s
